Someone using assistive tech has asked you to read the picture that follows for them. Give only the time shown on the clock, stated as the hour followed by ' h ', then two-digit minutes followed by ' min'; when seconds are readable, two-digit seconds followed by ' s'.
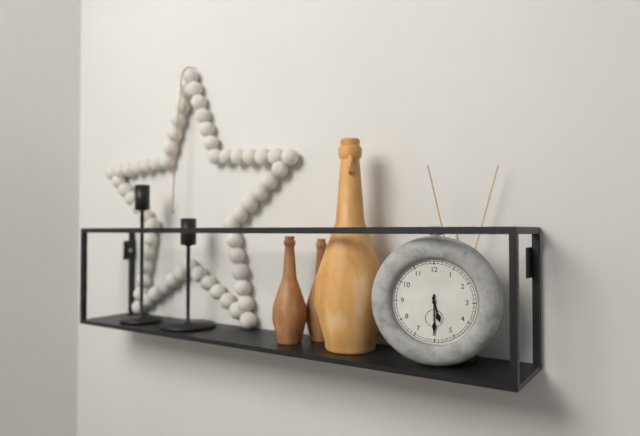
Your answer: 5 h 30 min
